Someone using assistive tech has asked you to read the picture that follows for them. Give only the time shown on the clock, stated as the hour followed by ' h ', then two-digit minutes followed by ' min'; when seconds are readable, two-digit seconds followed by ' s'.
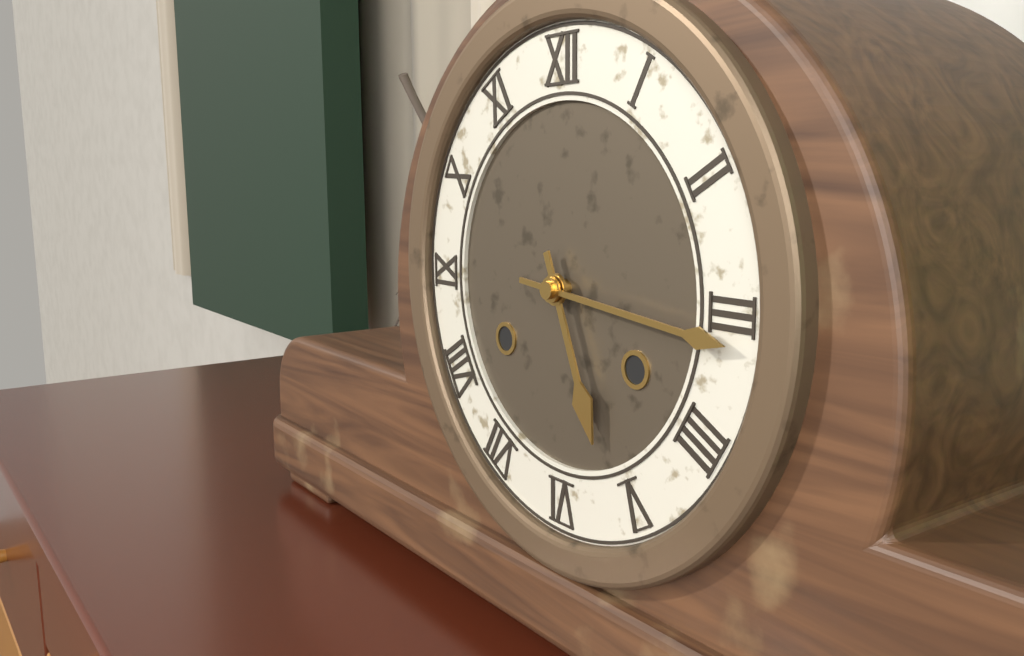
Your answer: 5 h 16 min
